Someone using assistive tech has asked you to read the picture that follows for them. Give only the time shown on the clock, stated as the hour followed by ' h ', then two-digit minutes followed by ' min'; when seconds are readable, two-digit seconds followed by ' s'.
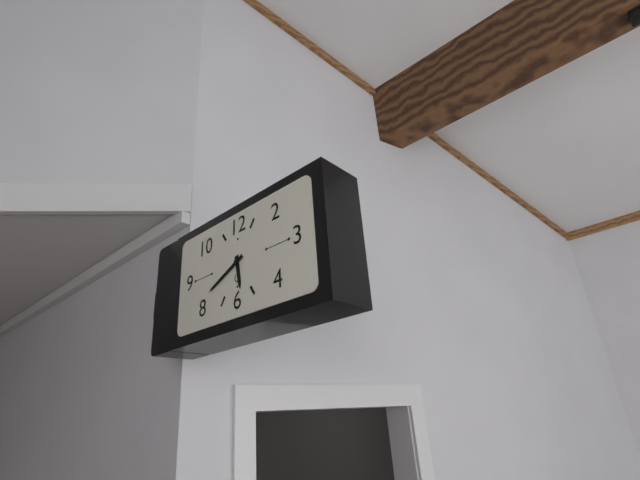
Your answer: 5 h 41 min
